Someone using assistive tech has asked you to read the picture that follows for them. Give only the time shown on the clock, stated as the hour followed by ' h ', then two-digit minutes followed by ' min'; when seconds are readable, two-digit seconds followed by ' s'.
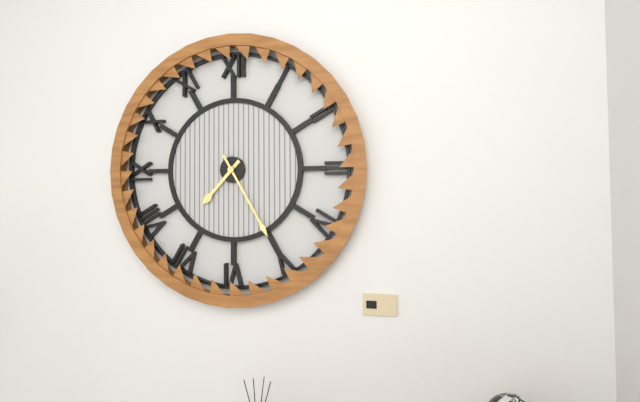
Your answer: 7 h 25 min
